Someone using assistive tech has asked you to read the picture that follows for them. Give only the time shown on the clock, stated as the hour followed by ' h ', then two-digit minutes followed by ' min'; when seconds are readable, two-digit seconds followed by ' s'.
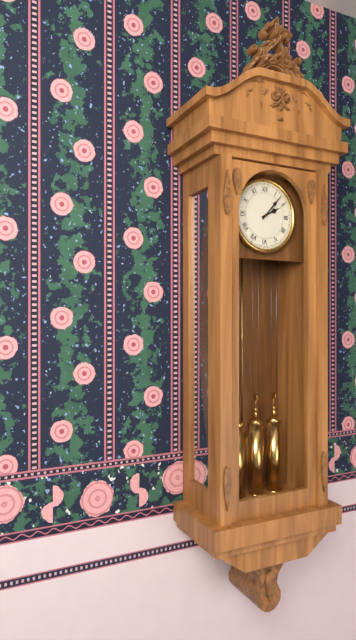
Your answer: 2 h 07 min
